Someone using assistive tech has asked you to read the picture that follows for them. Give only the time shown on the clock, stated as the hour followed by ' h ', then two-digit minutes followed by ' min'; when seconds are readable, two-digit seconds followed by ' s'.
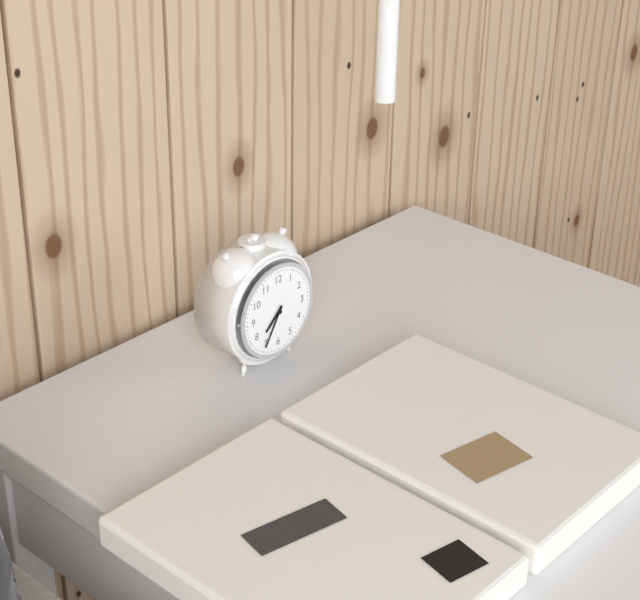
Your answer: 7 h 35 min
